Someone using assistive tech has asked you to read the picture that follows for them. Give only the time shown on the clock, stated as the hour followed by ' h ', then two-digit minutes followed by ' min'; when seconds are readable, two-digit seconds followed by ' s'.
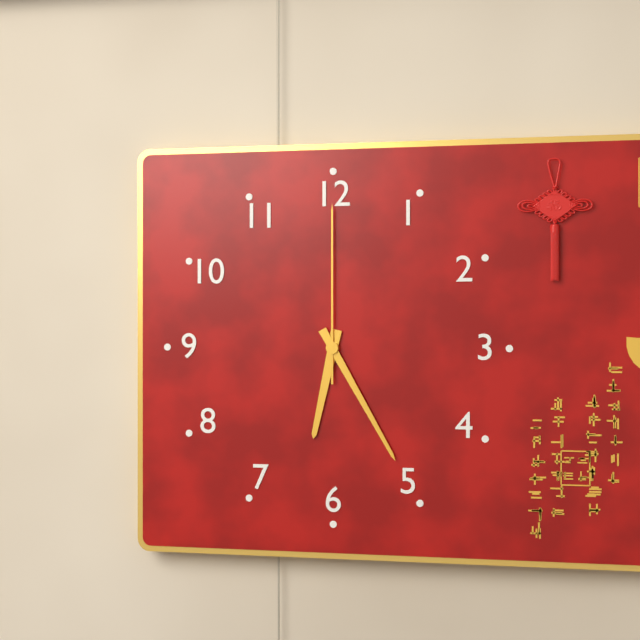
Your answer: 6 h 25 min 00 s
